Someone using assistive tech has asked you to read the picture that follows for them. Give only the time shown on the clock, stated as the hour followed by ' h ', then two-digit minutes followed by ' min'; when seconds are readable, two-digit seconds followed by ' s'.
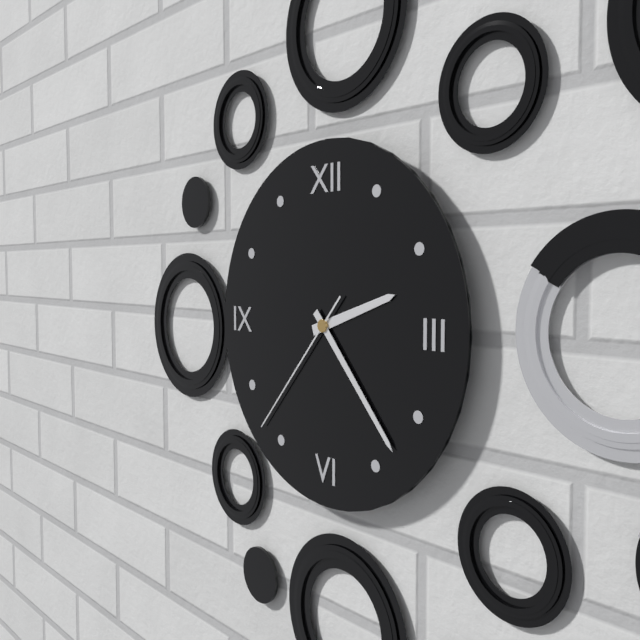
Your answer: 2 h 23 min 37 s
